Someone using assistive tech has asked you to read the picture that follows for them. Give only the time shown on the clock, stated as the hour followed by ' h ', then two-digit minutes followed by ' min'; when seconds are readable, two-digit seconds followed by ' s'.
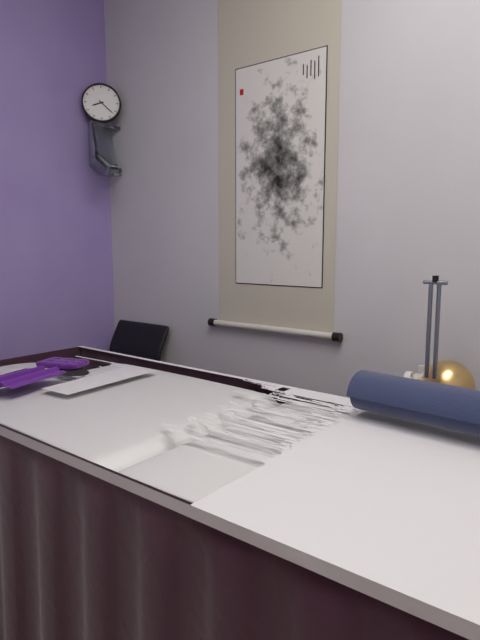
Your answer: 8 h 22 min
